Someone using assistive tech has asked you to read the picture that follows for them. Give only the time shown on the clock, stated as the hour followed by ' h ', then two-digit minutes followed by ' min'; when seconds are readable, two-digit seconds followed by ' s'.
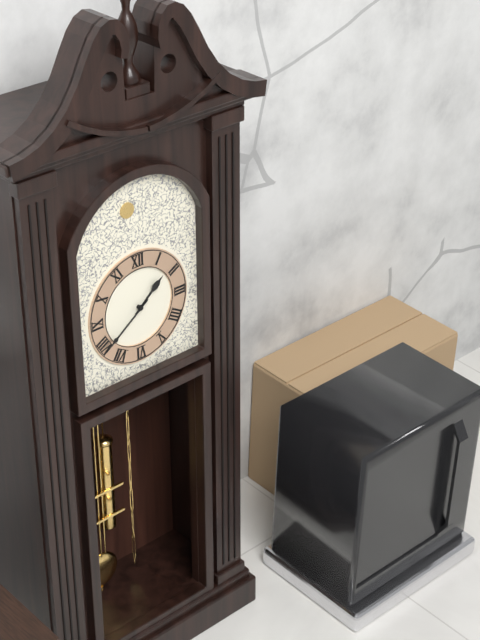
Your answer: 1 h 39 min
